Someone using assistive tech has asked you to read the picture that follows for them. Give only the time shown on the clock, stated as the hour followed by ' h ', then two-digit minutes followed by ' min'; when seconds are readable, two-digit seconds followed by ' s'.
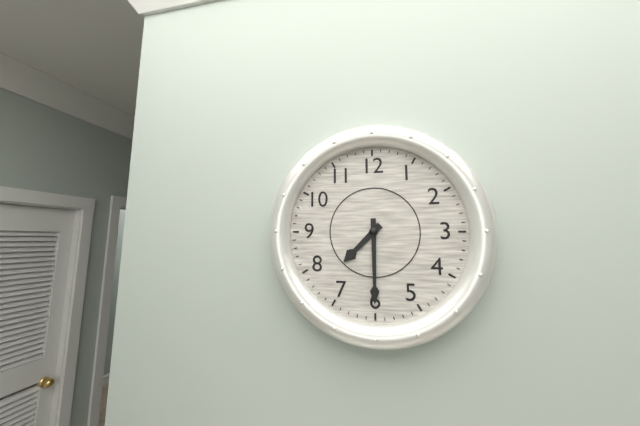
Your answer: 7 h 30 min
